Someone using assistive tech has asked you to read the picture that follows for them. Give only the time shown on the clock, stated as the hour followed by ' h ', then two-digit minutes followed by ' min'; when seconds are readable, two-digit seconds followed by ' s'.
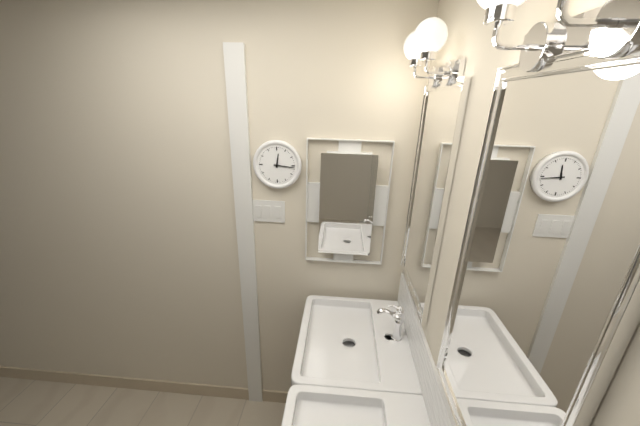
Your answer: 12 h 16 min
